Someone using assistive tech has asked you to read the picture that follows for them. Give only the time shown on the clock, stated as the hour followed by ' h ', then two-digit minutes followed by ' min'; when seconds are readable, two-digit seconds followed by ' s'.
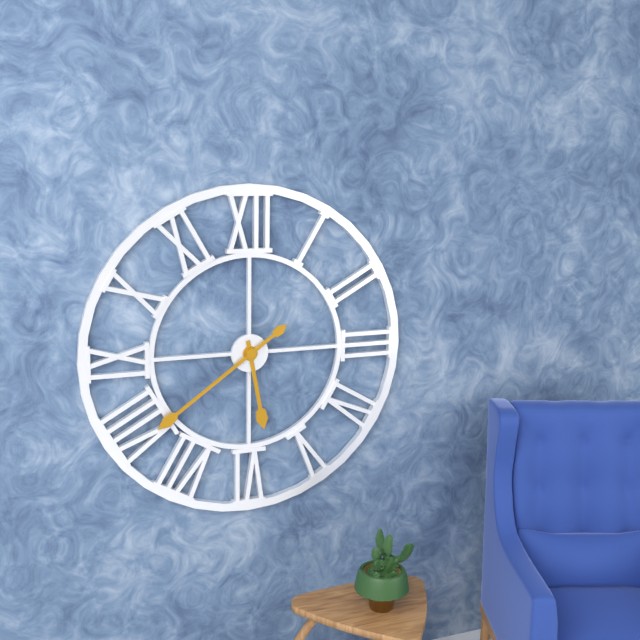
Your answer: 5 h 39 min
